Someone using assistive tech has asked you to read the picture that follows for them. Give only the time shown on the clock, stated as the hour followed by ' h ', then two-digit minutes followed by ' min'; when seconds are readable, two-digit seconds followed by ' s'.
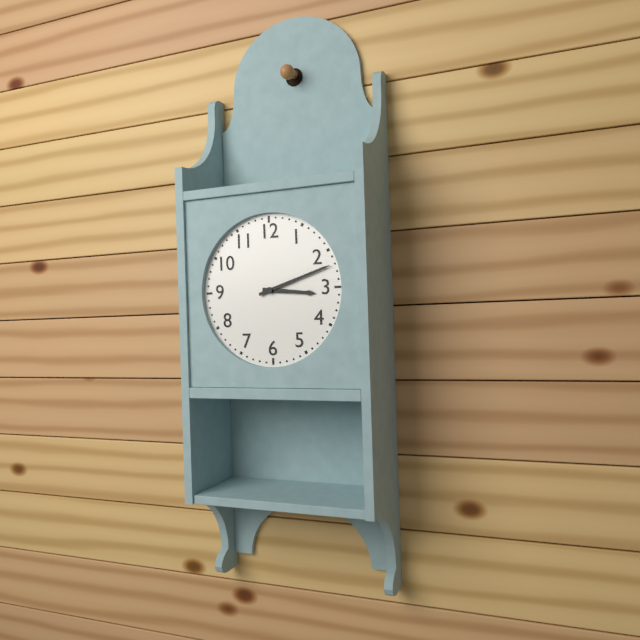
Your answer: 3 h 12 min
